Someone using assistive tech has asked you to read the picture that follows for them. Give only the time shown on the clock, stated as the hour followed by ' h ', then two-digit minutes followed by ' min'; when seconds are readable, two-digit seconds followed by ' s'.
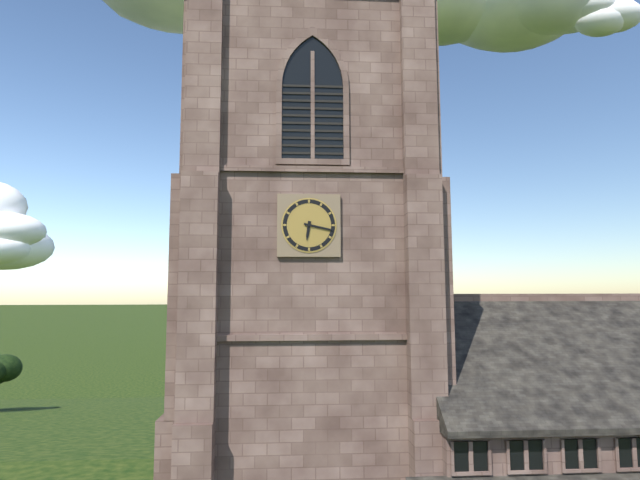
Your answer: 6 h 17 min
